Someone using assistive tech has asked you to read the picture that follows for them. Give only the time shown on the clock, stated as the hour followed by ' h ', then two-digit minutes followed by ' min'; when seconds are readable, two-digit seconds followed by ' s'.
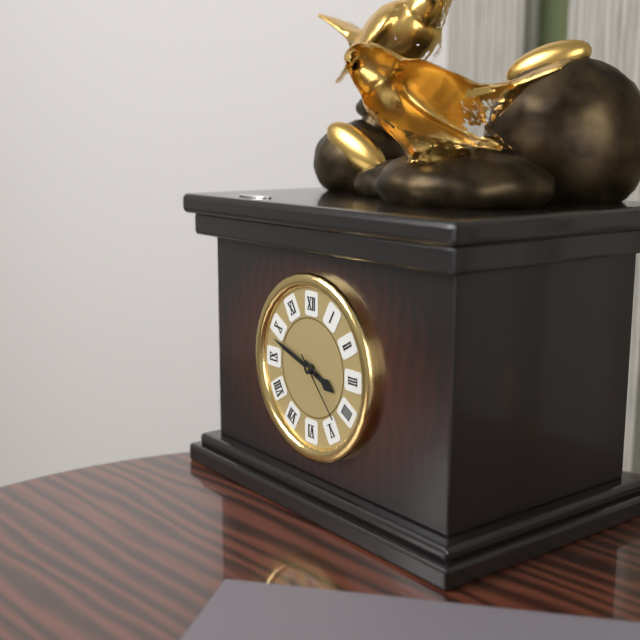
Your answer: 3 h 48 min 23 s
